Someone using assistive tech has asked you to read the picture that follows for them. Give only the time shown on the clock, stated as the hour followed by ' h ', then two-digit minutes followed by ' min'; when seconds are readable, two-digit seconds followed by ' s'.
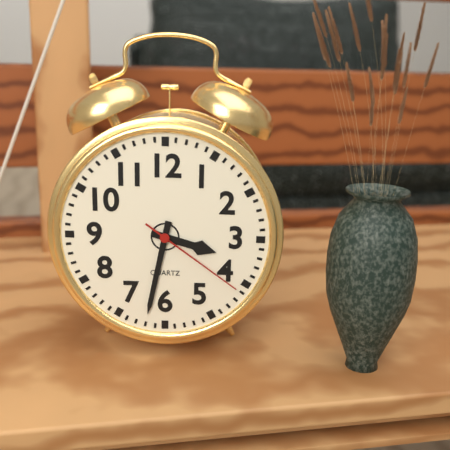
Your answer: 3 h 32 min 21 s
